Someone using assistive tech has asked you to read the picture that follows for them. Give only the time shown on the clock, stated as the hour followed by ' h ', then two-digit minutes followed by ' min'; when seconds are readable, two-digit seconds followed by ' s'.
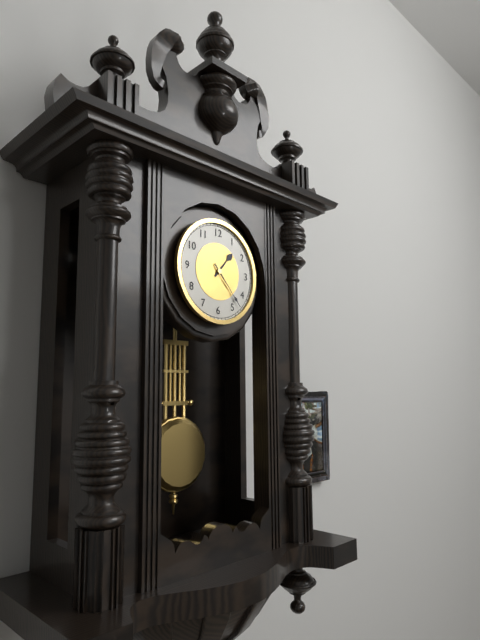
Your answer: 1 h 23 min
